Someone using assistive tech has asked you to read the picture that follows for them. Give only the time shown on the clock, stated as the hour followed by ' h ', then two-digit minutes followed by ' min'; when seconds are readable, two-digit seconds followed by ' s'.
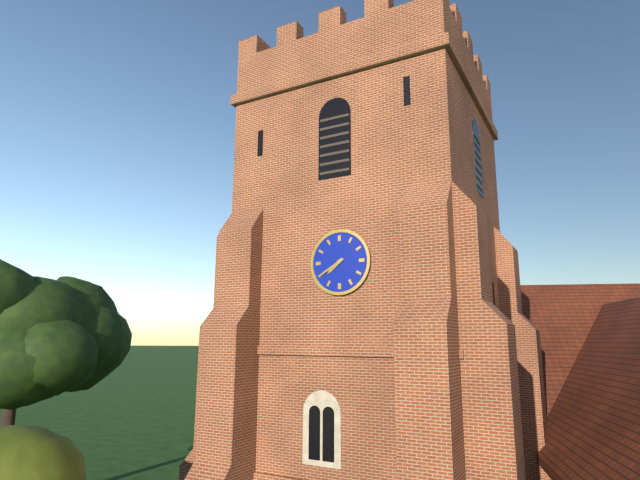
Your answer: 7 h 40 min
